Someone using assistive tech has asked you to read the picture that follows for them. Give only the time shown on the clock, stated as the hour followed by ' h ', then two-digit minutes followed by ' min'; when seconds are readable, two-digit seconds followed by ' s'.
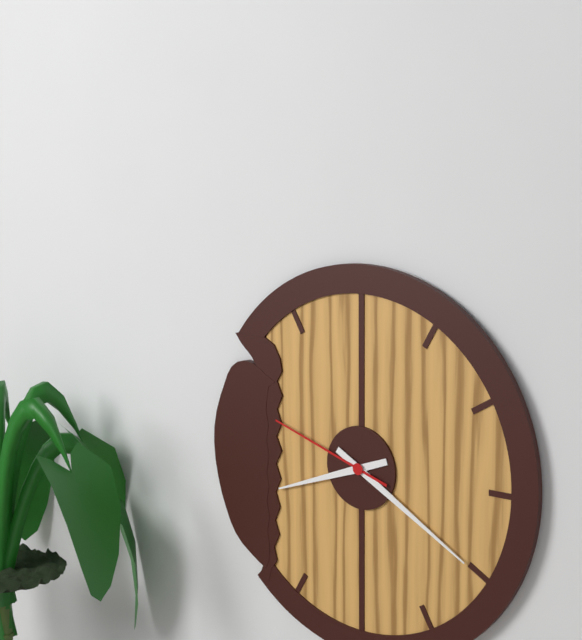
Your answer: 8 h 20 min 48 s
